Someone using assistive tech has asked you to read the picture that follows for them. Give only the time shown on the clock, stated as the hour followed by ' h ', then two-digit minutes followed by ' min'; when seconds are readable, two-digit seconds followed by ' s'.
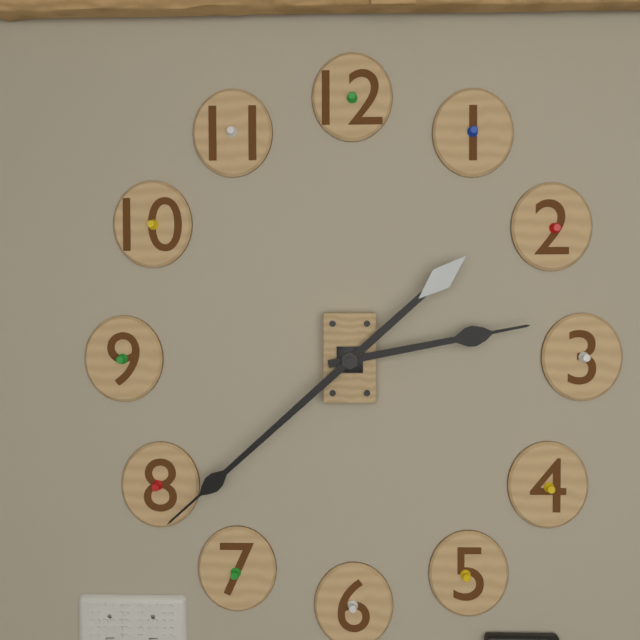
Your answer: 2 h 38 min
